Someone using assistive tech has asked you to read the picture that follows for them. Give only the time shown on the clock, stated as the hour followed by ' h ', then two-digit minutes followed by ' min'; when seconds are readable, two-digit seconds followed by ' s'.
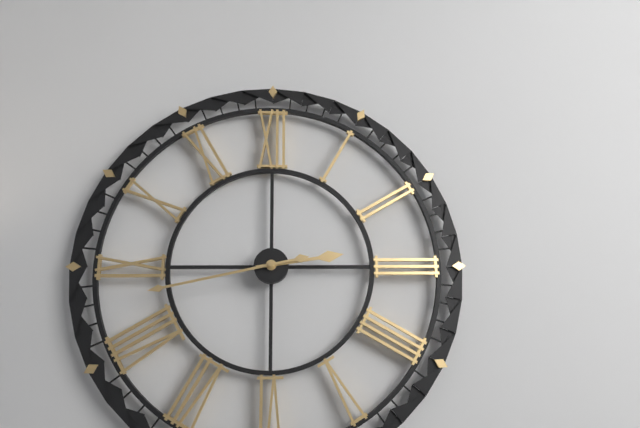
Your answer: 2 h 43 min
